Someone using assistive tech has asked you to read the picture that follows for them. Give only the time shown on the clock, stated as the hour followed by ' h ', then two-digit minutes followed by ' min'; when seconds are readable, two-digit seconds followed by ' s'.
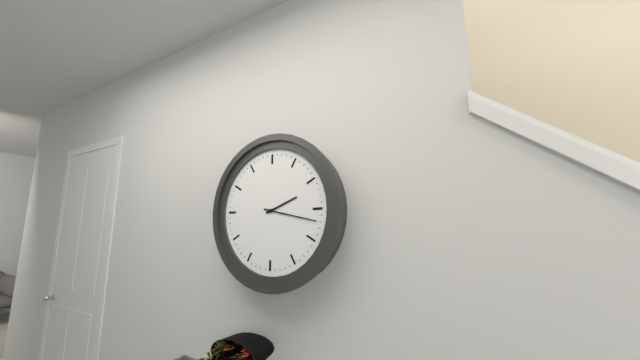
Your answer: 2 h 17 min
